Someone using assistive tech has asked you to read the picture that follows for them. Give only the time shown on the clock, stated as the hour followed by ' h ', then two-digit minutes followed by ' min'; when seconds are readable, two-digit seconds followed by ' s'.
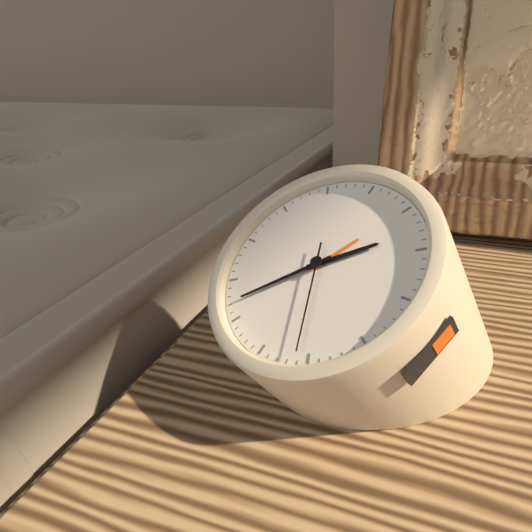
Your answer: 1 h 37 min 26 s
